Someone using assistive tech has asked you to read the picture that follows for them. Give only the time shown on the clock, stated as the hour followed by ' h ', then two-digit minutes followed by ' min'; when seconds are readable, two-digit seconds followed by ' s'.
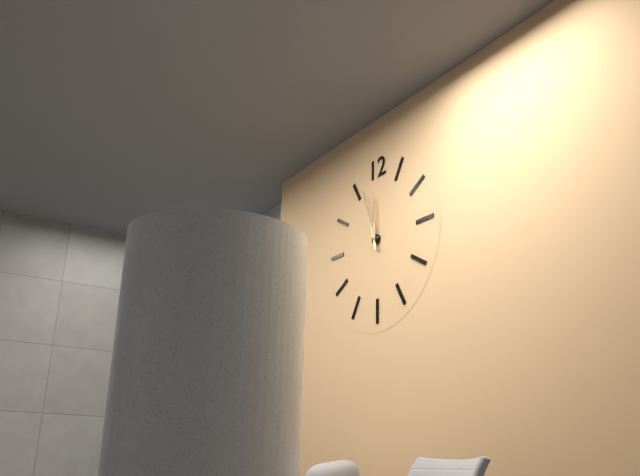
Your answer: 11 h 57 min
